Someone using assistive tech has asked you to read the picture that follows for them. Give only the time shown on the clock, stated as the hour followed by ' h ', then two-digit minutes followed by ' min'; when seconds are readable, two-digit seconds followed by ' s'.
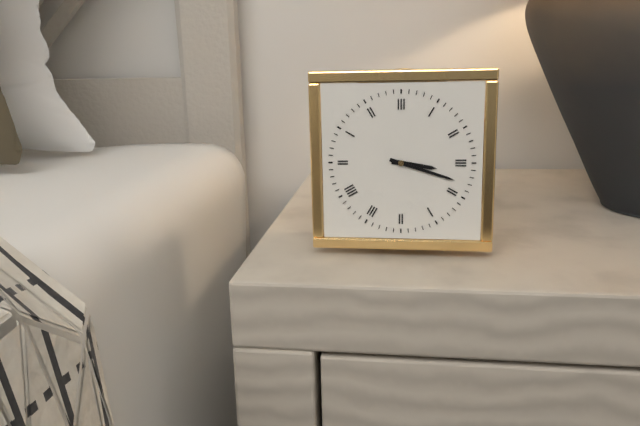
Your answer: 3 h 18 min
